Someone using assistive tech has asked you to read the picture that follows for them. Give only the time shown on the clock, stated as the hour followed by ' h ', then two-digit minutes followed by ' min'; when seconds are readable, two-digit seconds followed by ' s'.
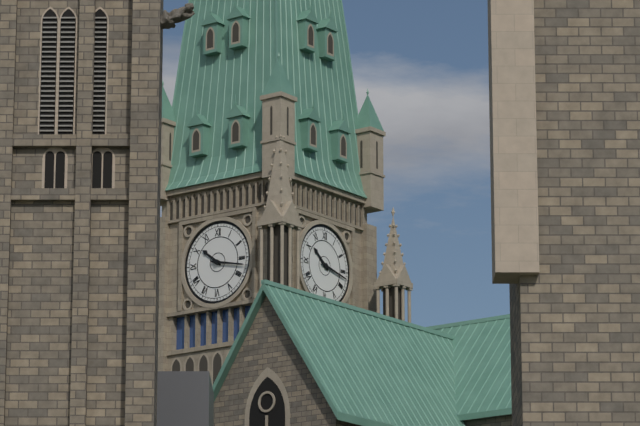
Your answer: 10 h 17 min
